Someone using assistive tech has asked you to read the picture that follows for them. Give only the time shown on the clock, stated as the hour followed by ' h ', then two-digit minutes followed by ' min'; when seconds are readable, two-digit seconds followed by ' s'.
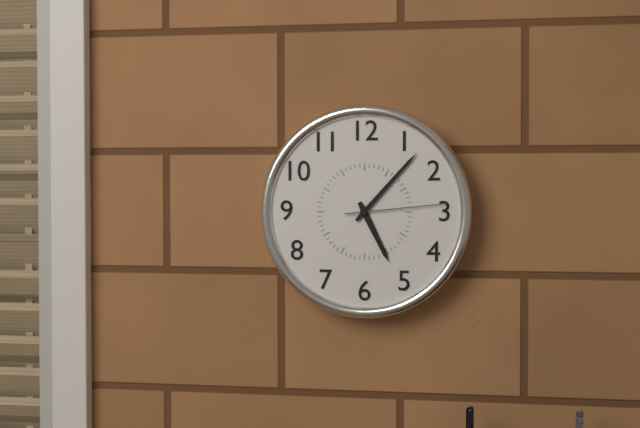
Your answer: 5 h 07 min 14 s
